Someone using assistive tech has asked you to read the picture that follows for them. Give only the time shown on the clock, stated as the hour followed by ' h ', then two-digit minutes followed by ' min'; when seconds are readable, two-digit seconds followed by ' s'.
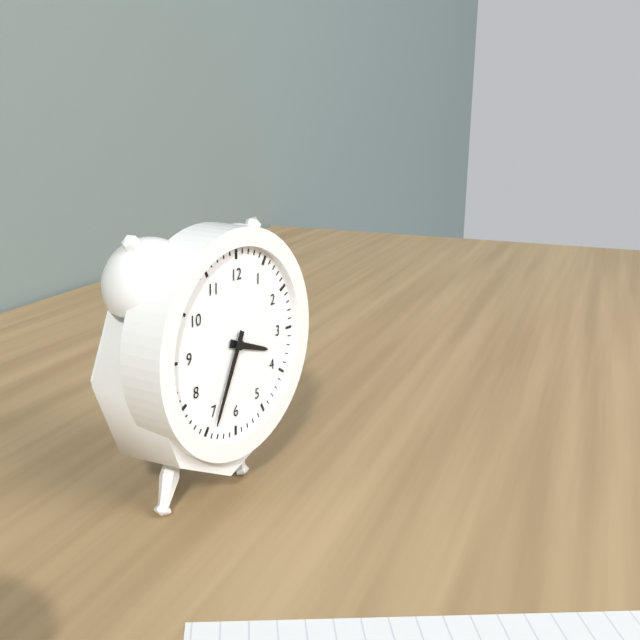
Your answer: 3 h 34 min
